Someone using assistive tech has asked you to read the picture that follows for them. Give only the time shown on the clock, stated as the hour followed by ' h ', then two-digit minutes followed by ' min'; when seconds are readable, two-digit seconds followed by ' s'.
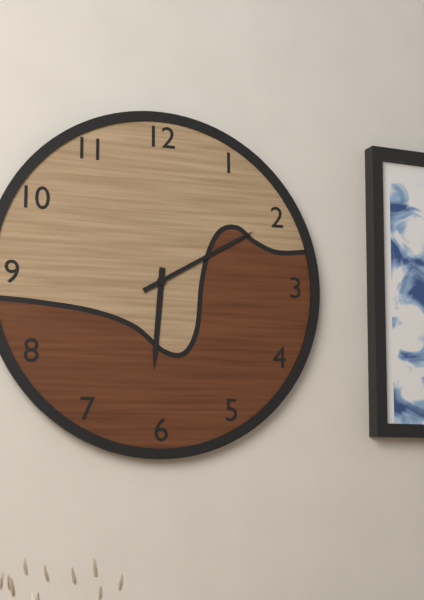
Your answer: 6 h 10 min
